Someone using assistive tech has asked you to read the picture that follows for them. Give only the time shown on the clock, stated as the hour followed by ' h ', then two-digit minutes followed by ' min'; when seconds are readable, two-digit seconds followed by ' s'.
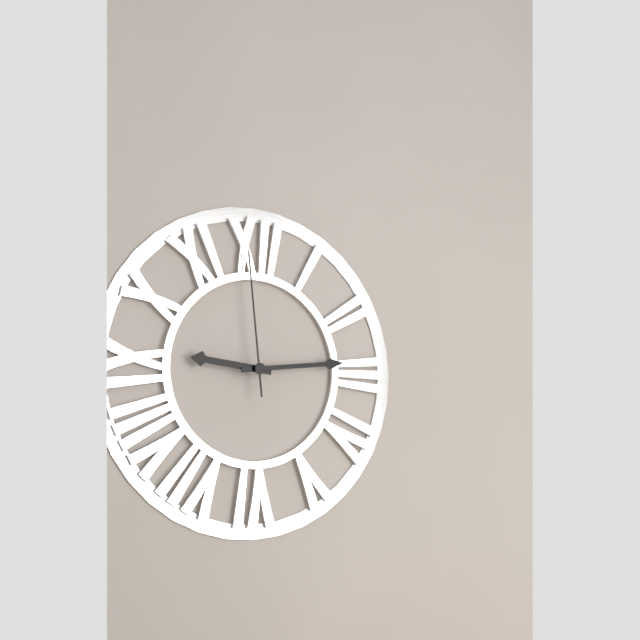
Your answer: 9 h 14 min 59 s
